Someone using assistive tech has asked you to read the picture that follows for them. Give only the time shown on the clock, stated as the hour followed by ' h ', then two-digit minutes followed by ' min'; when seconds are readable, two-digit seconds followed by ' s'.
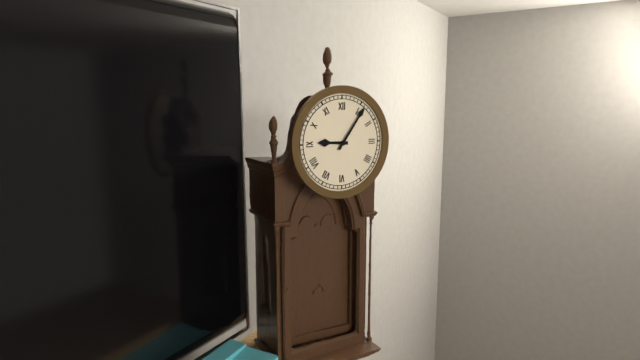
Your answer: 9 h 06 min
